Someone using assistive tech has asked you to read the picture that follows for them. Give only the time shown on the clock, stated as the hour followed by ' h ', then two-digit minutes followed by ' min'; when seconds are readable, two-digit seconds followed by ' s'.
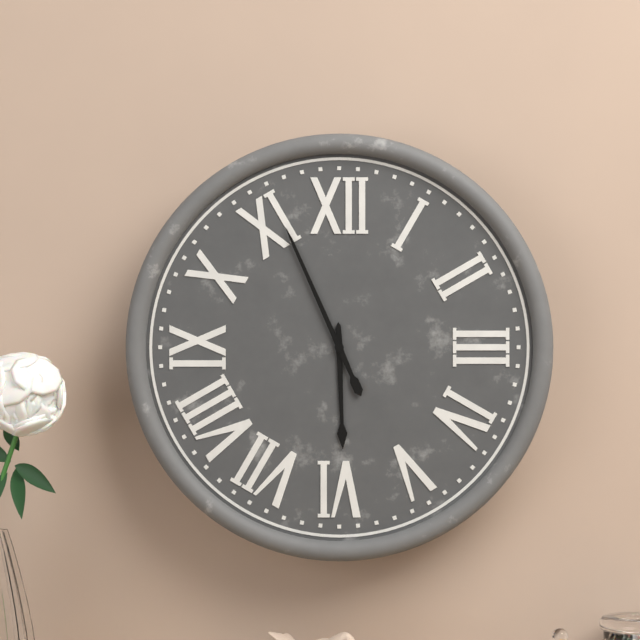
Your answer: 5 h 56 min
